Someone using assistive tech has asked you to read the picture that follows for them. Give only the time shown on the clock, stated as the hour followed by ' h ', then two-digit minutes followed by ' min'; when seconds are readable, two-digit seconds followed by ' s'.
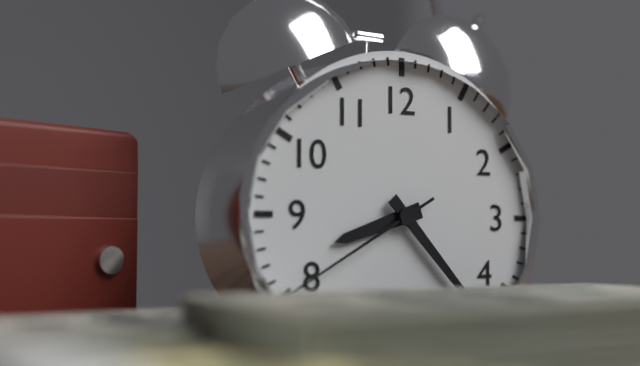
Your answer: 8 h 23 min 40 s
